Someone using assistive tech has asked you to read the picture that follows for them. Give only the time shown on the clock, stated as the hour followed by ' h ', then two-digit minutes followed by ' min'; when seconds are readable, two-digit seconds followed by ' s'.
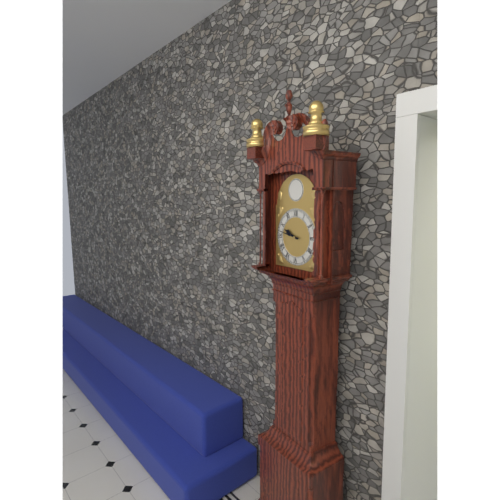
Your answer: 9 h 47 min
